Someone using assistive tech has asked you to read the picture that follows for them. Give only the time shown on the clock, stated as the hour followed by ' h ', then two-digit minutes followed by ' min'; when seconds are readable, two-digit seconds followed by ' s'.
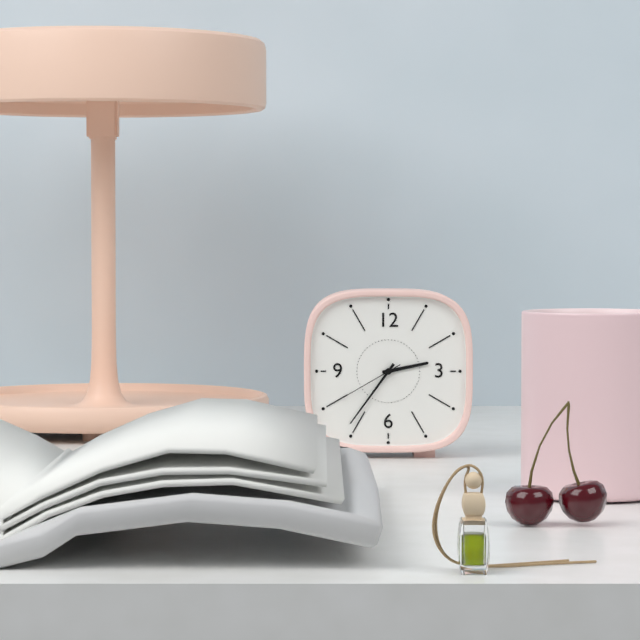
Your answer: 2 h 36 min 40 s
